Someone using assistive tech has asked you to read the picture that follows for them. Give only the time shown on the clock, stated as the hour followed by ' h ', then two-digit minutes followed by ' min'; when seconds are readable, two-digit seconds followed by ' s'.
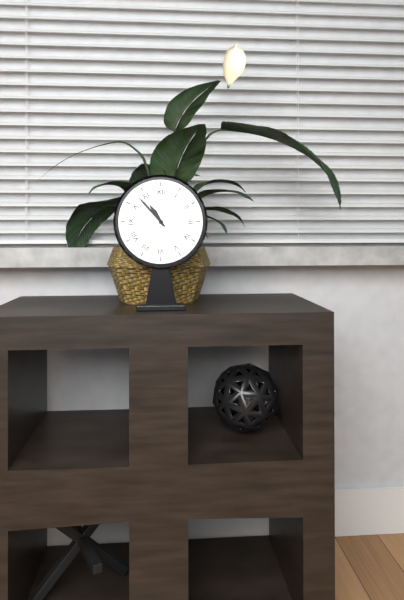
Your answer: 10 h 53 min
